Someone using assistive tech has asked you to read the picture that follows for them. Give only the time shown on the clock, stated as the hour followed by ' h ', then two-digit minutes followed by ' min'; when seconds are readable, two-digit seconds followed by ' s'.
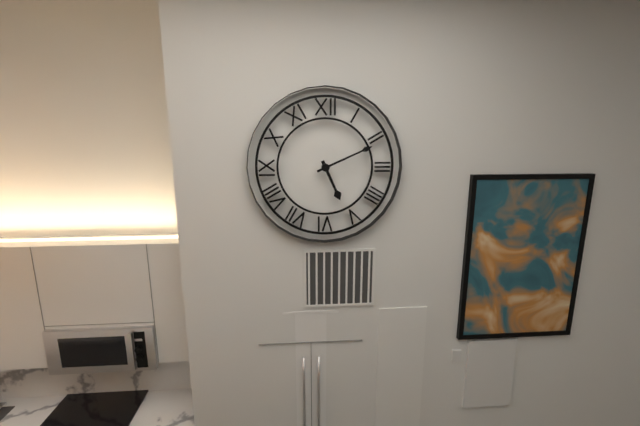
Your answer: 5 h 11 min
